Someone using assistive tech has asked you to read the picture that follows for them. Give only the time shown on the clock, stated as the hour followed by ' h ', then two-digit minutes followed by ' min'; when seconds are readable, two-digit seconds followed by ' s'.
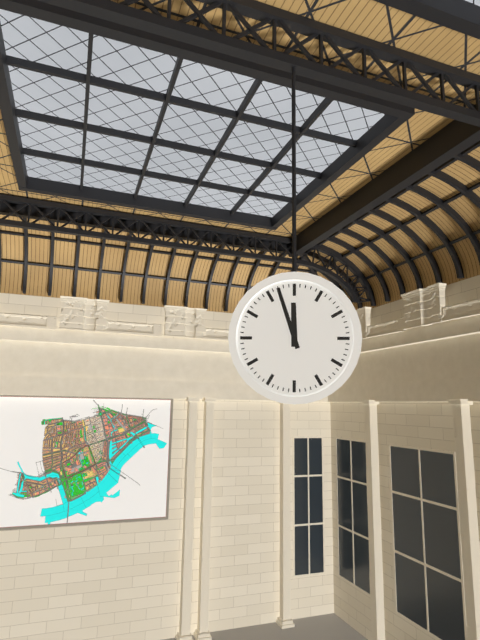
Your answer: 11 h 57 min
